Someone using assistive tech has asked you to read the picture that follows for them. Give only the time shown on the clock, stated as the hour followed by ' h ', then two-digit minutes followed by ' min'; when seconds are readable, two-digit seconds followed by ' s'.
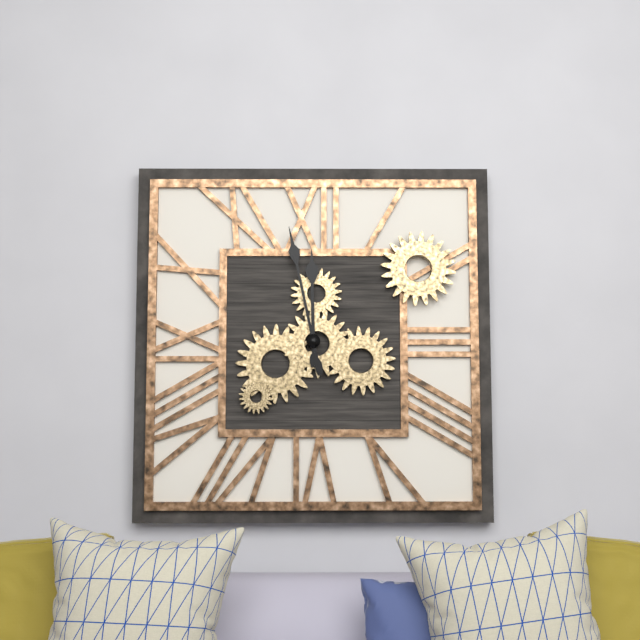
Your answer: 11 h 58 min
